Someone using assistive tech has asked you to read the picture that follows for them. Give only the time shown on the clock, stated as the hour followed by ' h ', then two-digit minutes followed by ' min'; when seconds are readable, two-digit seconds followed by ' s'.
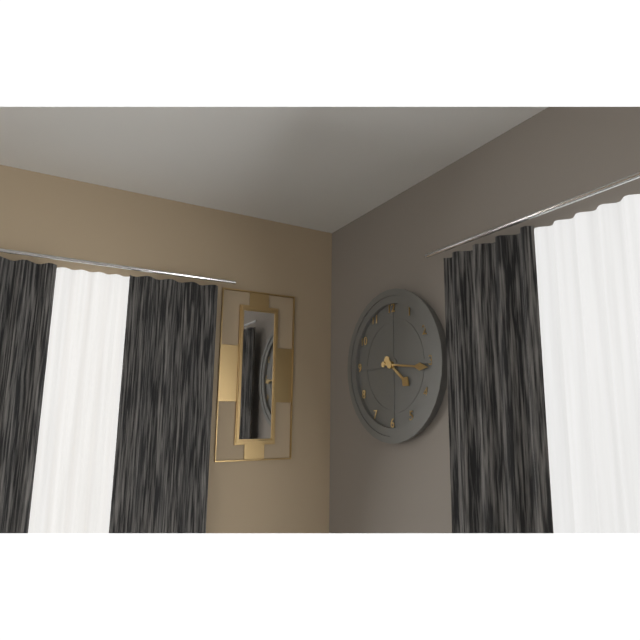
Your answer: 4 h 16 min
